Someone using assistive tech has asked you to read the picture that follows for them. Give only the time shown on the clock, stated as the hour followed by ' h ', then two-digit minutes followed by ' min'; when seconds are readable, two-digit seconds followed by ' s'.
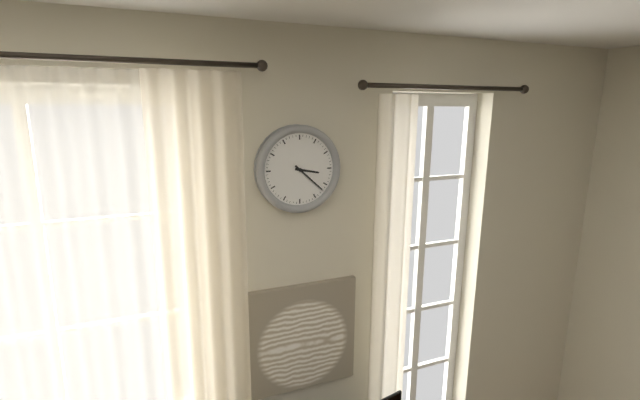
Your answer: 3 h 22 min
